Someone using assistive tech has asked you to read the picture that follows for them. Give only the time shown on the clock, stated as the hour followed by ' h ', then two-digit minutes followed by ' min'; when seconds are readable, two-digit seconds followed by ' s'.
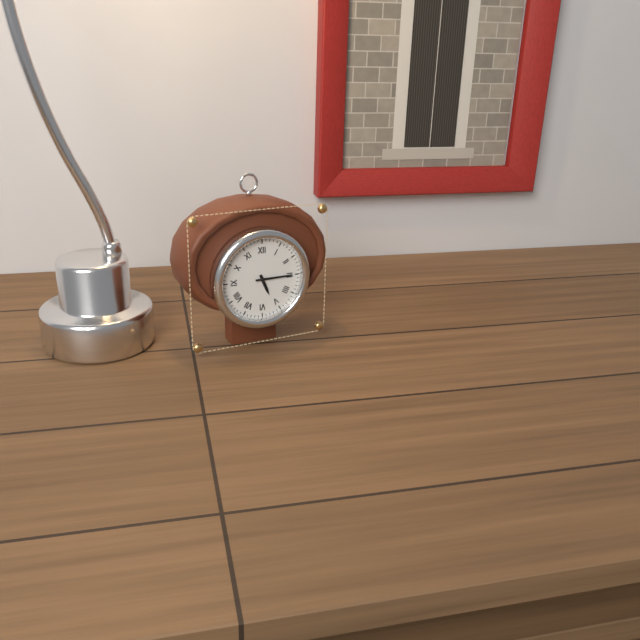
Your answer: 5 h 15 min
